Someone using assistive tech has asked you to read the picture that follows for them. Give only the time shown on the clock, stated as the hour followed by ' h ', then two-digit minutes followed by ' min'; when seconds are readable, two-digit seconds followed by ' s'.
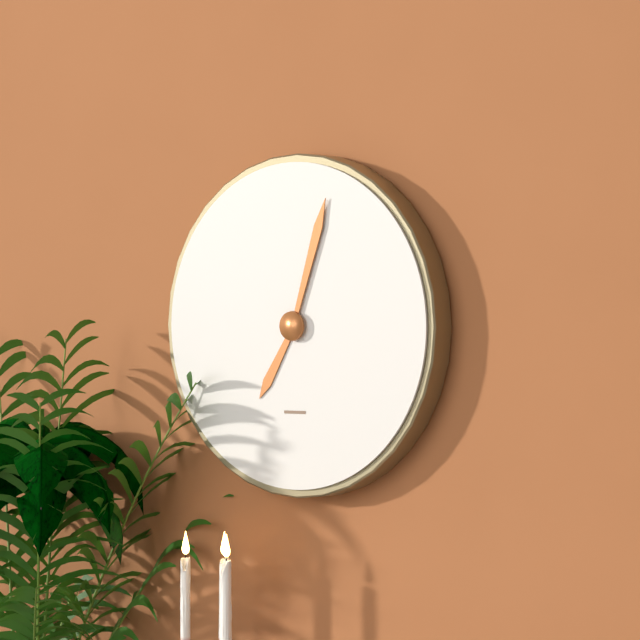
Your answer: 7 h 03 min
